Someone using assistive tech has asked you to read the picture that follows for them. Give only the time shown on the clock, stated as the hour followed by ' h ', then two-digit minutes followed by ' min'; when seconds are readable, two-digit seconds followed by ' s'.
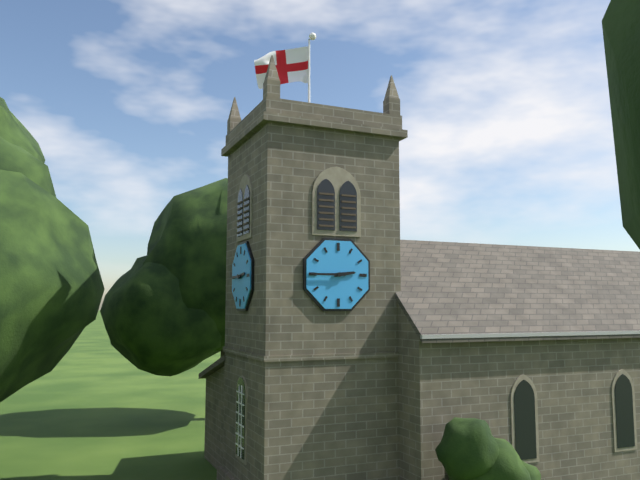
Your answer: 2 h 45 min
